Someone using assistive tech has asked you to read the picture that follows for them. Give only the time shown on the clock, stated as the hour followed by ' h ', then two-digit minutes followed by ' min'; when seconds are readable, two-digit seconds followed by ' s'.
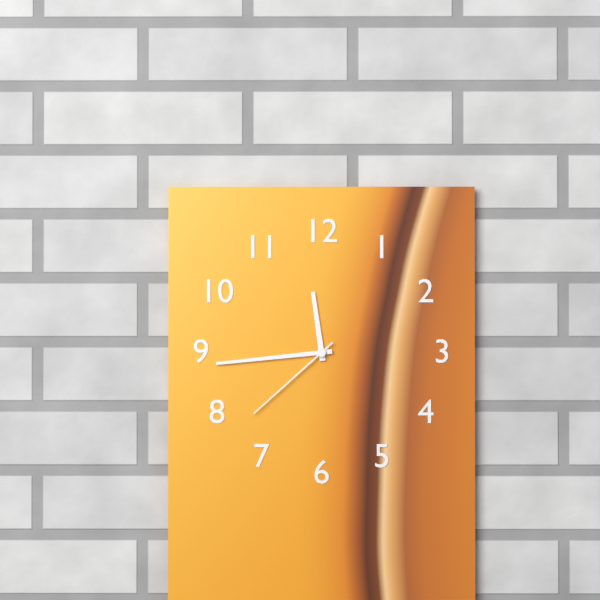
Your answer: 11 h 44 min 38 s
